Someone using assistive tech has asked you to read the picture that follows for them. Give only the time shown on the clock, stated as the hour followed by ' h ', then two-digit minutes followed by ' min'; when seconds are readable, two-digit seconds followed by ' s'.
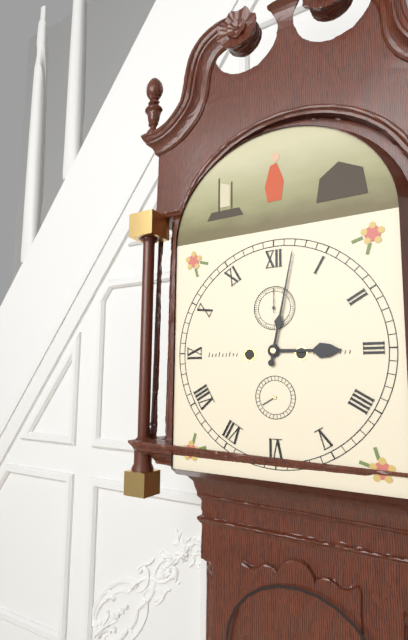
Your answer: 3 h 02 min
